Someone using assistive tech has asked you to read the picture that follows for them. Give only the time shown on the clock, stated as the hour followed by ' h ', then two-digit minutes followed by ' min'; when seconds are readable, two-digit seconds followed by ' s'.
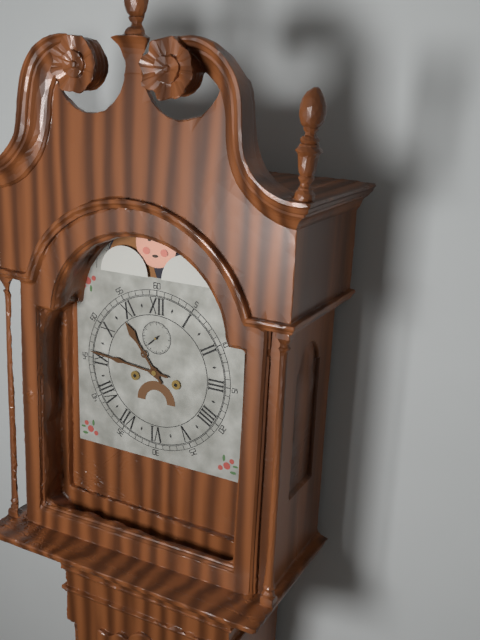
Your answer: 10 h 46 min
